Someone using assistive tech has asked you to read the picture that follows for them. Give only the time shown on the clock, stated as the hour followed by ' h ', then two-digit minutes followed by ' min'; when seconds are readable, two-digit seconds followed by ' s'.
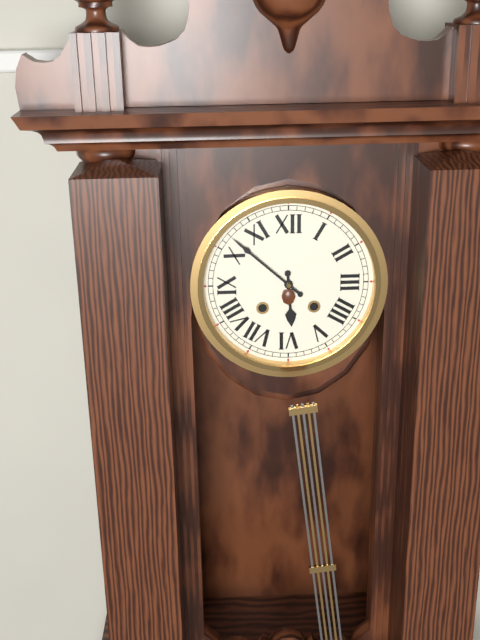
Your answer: 5 h 52 min
